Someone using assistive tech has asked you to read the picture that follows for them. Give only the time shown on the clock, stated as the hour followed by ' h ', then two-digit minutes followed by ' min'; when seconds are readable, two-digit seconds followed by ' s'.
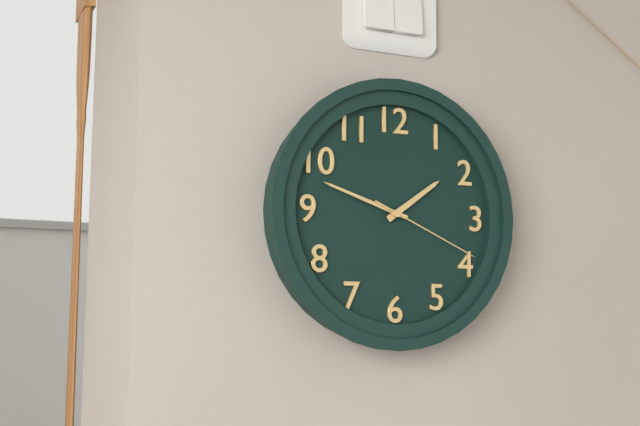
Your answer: 1 h 48 min 19 s
